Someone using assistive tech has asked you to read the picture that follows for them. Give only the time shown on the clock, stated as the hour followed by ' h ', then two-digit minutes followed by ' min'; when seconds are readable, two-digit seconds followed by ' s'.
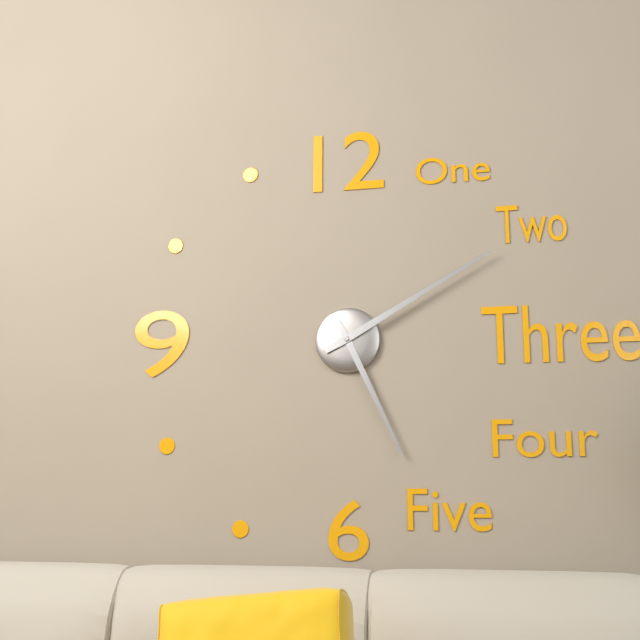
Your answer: 5 h 10 min
